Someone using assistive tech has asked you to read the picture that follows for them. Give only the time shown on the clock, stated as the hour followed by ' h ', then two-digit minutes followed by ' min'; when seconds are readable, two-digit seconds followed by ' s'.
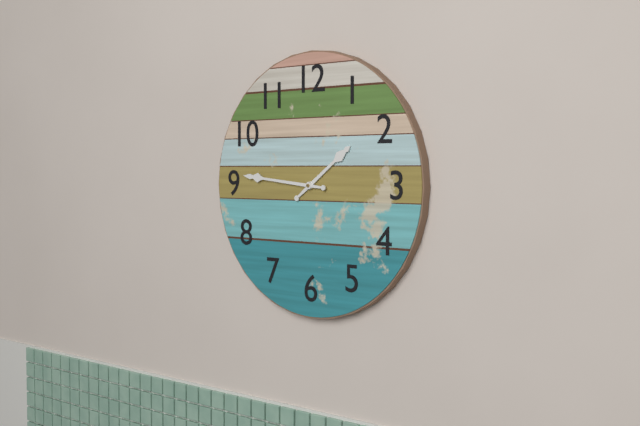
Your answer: 1 h 46 min
